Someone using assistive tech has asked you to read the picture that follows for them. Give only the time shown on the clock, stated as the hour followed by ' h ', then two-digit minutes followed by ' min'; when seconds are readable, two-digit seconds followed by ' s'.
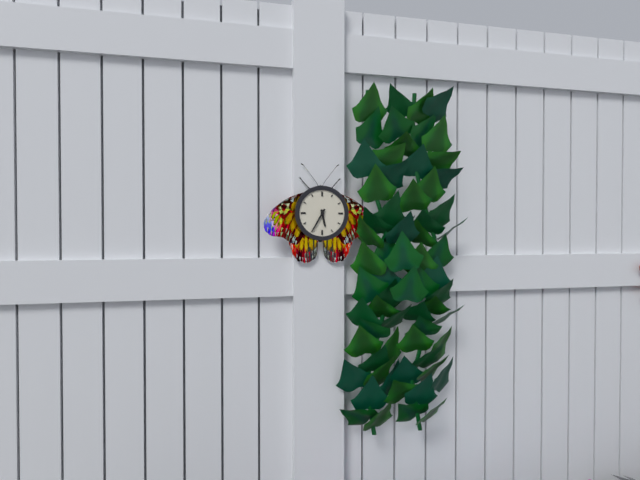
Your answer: 5 h 35 min
